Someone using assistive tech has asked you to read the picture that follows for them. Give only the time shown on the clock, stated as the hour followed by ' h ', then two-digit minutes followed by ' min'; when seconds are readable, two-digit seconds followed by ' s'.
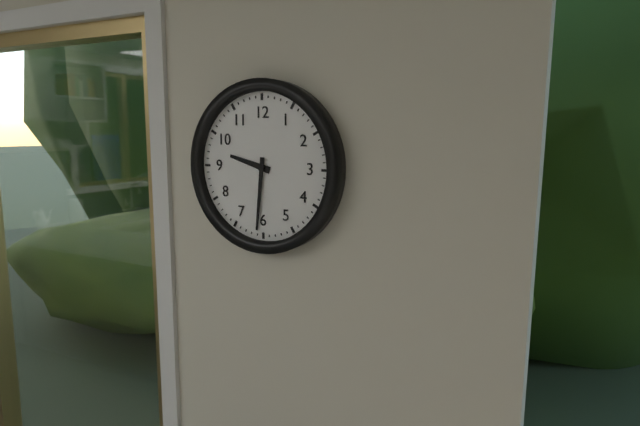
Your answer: 9 h 31 min
